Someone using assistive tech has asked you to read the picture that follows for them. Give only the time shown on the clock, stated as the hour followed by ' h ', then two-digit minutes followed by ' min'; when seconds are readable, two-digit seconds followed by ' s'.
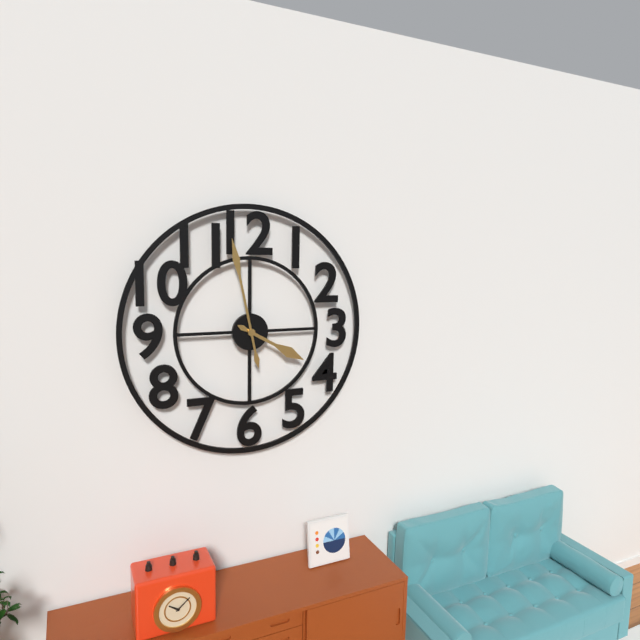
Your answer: 3 h 58 min
